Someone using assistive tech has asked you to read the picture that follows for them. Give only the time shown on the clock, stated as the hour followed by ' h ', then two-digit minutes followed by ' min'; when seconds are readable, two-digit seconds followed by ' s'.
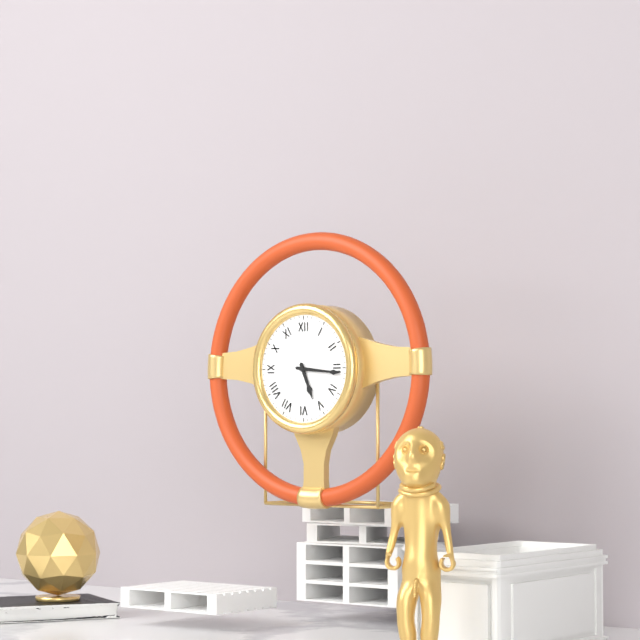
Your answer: 5 h 16 min
